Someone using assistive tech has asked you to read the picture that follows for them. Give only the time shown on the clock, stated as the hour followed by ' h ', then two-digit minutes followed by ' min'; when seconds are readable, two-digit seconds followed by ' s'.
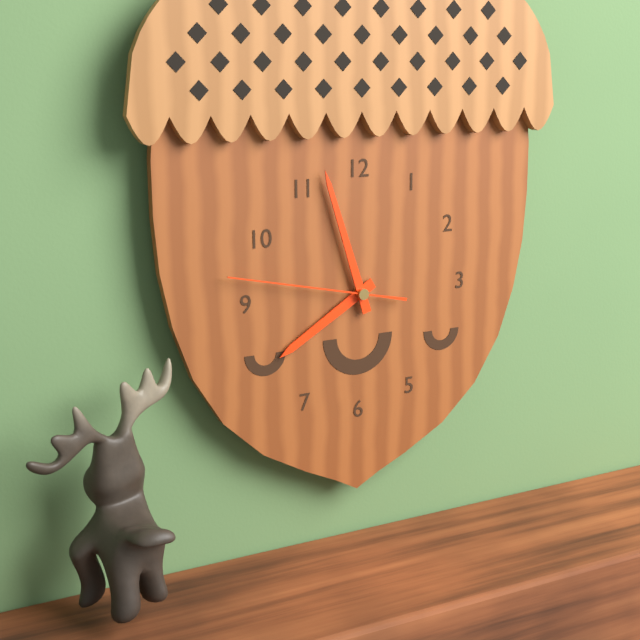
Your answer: 7 h 57 min 47 s
